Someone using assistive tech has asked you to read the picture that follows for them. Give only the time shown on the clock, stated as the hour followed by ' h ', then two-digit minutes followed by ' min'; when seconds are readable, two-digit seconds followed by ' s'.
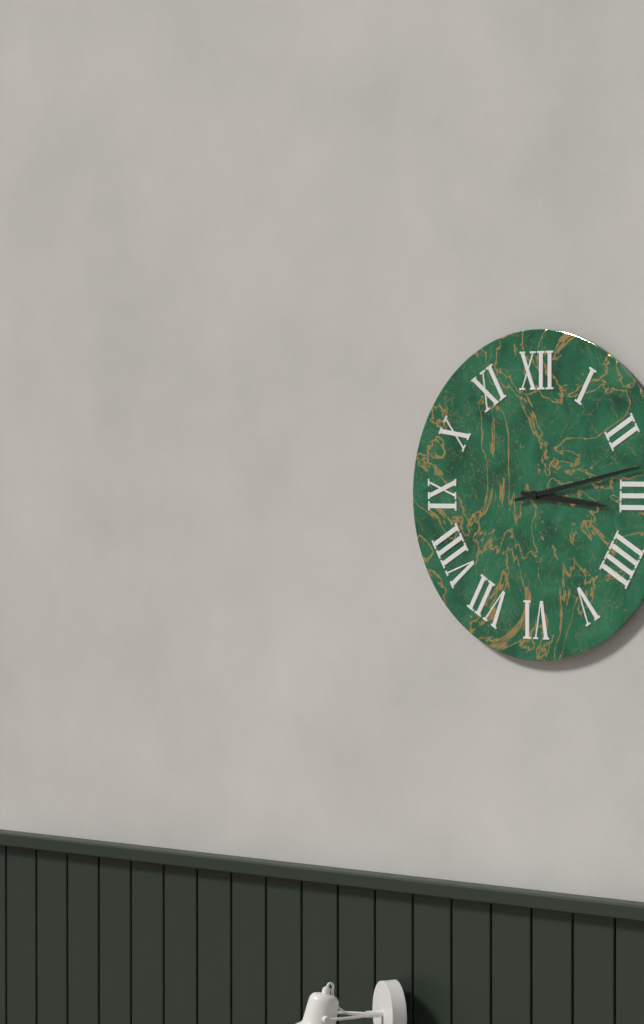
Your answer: 3 h 13 min
